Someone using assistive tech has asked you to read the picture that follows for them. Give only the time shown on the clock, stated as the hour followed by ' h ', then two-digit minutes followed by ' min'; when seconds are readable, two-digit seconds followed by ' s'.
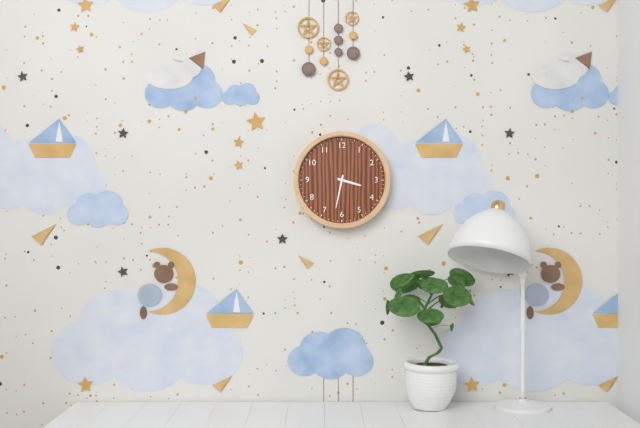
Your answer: 3 h 32 min
